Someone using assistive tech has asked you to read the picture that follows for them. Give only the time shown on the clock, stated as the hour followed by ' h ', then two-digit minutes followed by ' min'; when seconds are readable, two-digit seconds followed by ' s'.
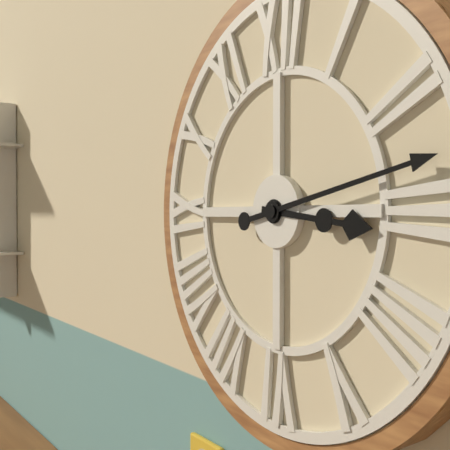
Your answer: 3 h 13 min
